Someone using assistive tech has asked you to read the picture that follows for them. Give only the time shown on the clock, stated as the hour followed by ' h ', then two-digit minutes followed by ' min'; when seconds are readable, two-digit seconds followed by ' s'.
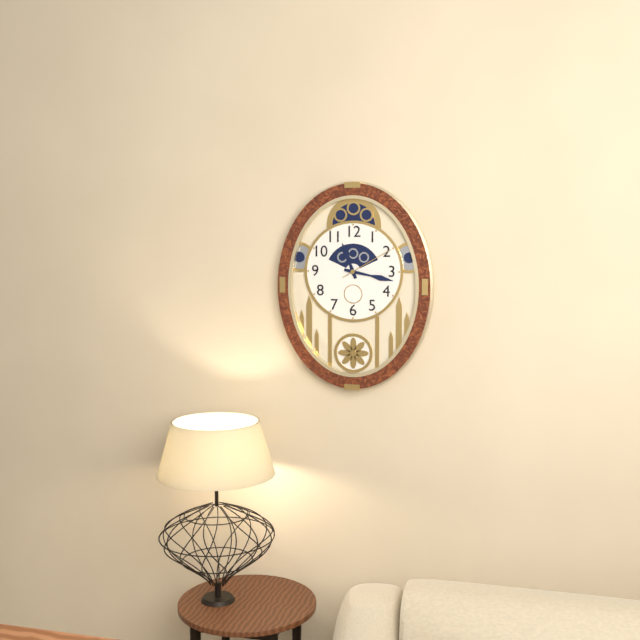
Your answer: 11 h 17 min 10 s
